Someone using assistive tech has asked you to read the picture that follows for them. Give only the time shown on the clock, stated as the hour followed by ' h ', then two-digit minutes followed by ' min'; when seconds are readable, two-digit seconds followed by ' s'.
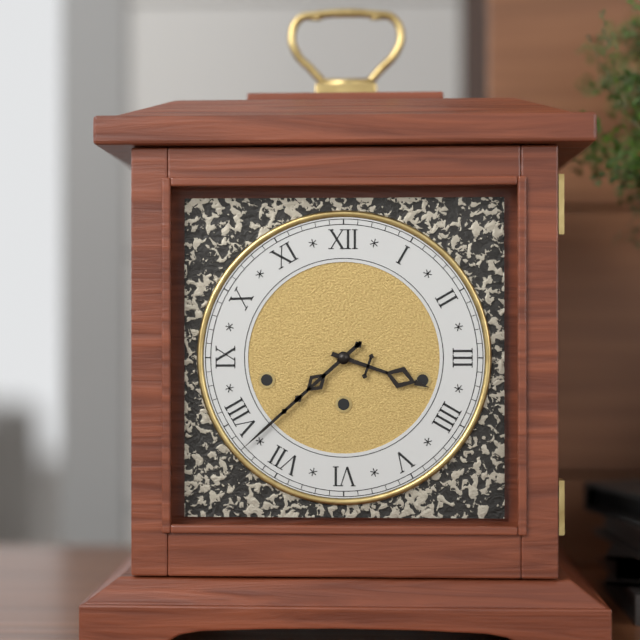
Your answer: 3 h 38 min
